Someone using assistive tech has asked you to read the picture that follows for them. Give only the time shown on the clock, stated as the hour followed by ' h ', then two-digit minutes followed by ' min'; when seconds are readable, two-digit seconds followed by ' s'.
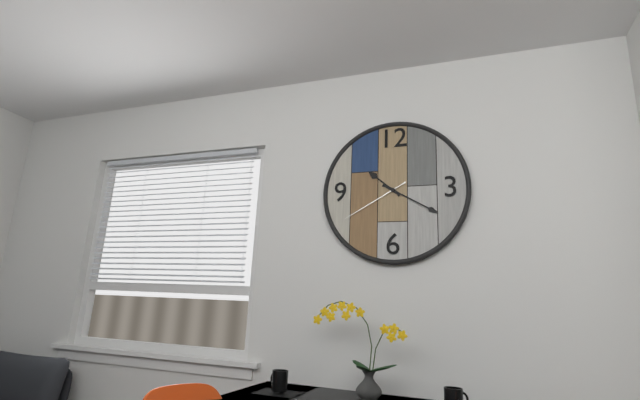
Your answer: 10 h 20 min 40 s
